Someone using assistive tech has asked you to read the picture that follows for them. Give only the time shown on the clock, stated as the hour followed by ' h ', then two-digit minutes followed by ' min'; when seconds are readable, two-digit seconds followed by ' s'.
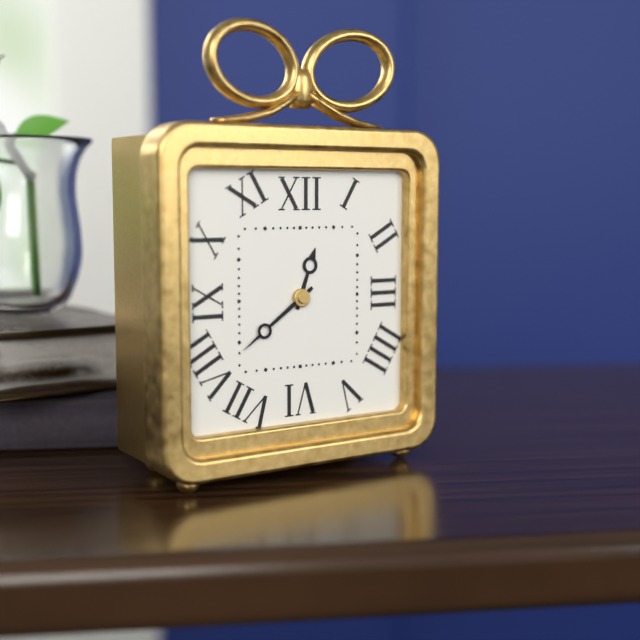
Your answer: 12 h 39 min
